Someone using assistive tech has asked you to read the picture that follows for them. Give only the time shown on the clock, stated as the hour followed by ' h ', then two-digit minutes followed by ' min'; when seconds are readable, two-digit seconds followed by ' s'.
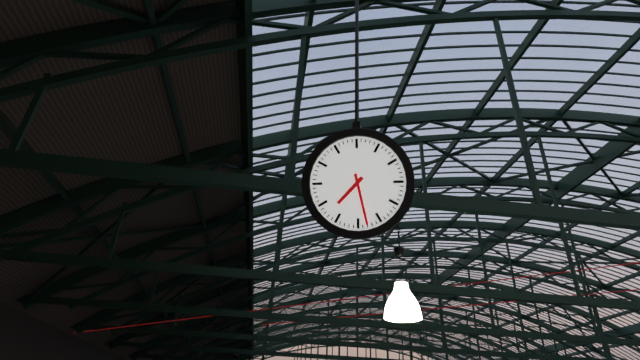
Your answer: 7 h 28 min
